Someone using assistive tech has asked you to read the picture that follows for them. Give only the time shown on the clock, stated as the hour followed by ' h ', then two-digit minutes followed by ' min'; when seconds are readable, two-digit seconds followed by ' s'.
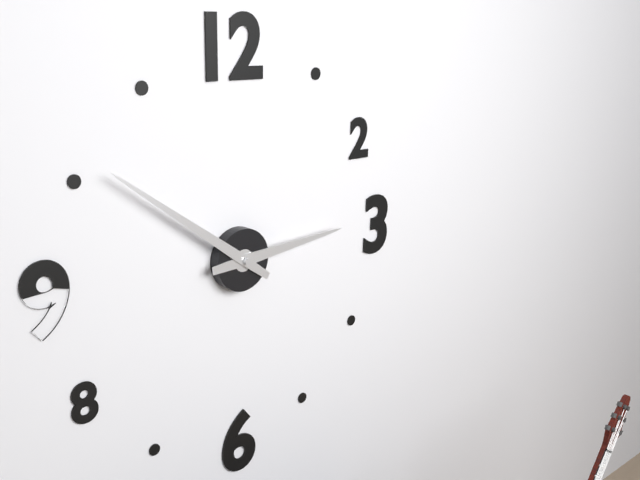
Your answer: 2 h 51 min
